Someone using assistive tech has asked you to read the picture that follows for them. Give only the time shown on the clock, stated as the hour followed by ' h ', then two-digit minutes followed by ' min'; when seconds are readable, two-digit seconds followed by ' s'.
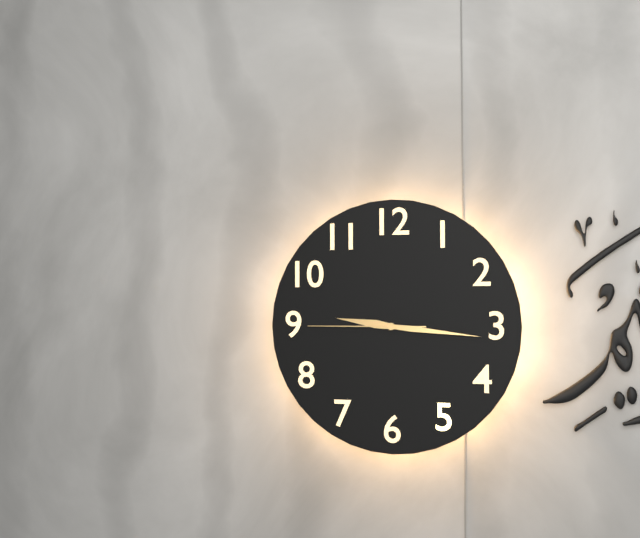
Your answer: 9 h 16 min 45 s
